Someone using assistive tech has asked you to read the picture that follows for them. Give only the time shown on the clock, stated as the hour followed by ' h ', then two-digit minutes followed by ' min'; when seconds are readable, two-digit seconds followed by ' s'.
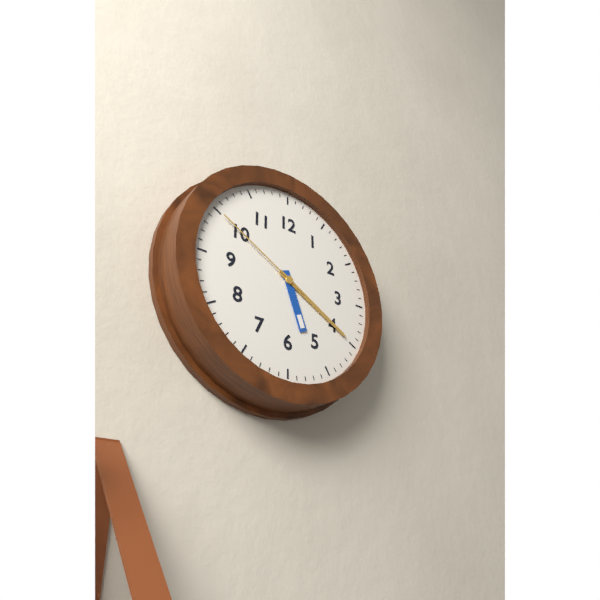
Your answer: 5 h 20 min 50 s
